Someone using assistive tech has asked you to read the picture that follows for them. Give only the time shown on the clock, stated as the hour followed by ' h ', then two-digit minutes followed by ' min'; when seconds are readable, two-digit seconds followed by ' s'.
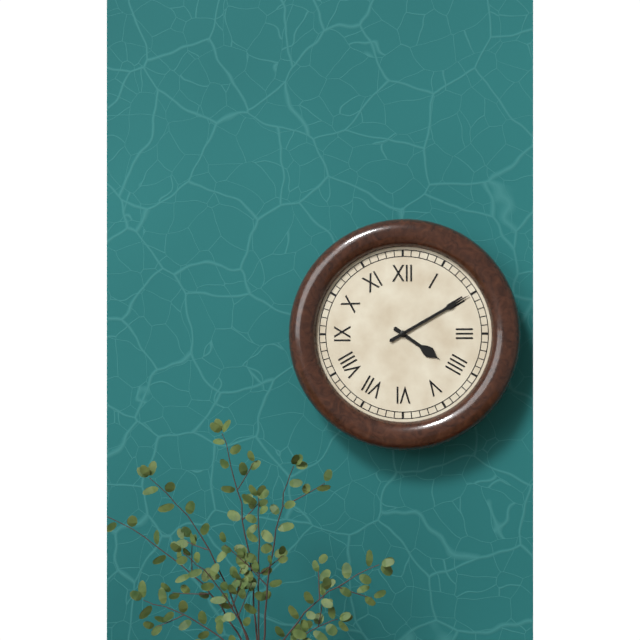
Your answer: 4 h 10 min
